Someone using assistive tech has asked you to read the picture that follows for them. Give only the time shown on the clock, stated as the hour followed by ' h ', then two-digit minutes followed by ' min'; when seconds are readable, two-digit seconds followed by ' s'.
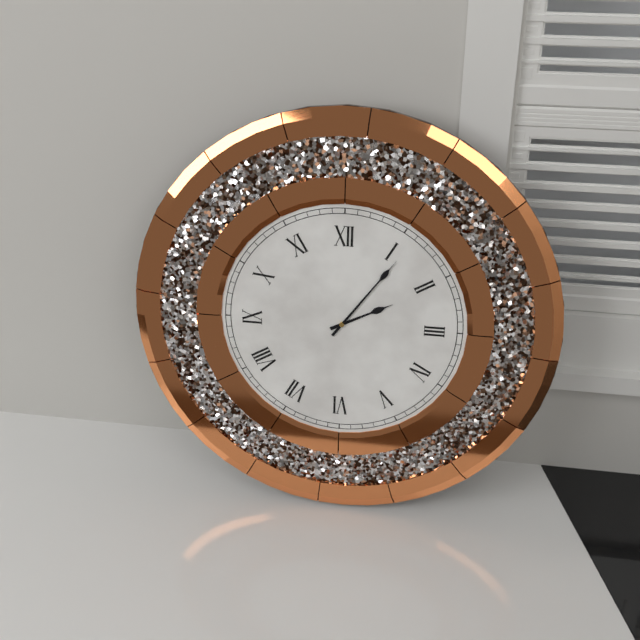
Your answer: 2 h 06 min
